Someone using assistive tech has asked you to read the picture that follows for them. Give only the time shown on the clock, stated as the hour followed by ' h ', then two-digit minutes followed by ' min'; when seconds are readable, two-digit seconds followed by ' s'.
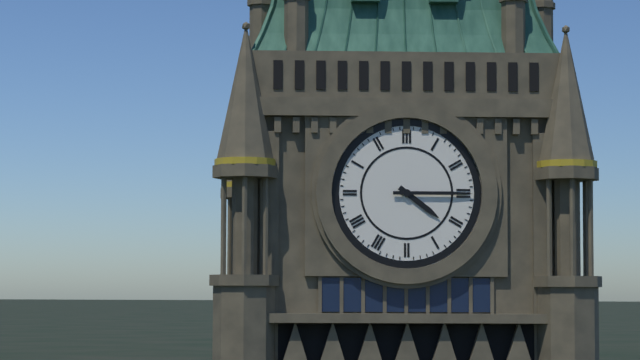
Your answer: 4 h 15 min
